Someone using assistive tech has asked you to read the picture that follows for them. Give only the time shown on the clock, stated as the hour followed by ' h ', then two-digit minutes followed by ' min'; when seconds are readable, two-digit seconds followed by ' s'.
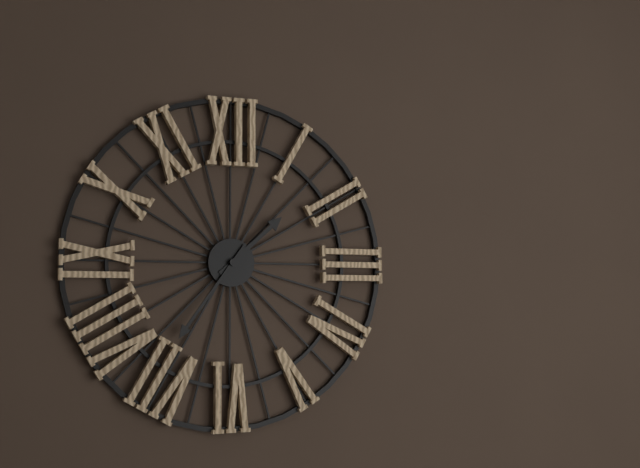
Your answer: 1 h 36 min
